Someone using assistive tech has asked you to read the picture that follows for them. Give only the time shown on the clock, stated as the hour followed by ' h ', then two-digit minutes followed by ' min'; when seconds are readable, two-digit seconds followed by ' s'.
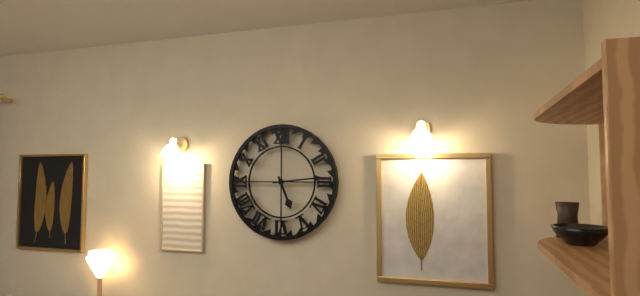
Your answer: 5 h 14 min
